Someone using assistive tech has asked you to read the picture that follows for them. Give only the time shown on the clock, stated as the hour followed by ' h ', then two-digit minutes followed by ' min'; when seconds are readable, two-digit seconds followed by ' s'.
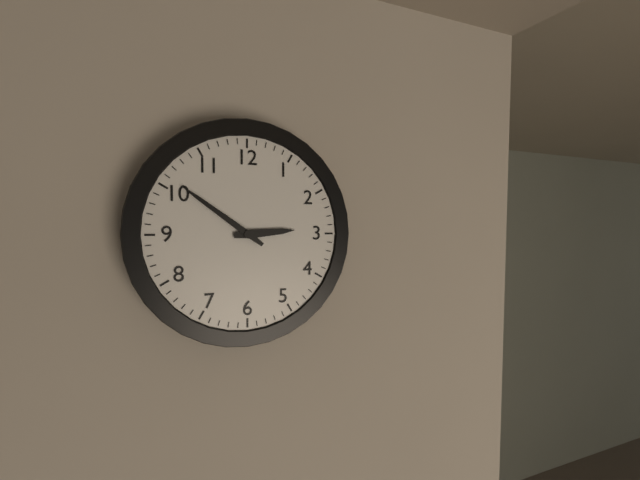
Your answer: 2 h 51 min
